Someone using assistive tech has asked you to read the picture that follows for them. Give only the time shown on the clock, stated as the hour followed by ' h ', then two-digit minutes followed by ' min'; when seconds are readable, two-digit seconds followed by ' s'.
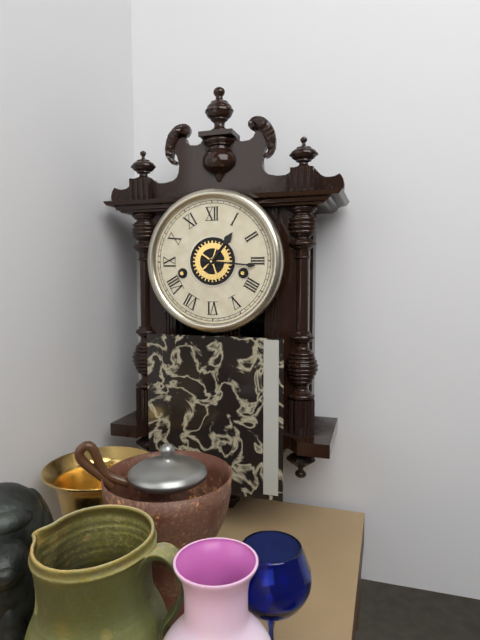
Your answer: 1 h 16 min
